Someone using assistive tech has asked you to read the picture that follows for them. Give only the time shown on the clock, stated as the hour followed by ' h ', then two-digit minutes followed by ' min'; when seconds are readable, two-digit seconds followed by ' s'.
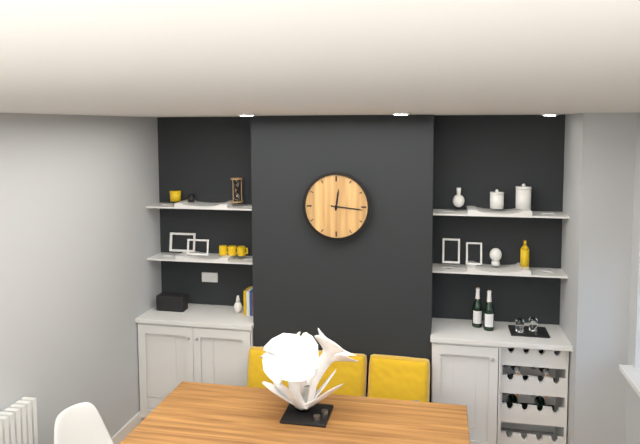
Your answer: 12 h 16 min
